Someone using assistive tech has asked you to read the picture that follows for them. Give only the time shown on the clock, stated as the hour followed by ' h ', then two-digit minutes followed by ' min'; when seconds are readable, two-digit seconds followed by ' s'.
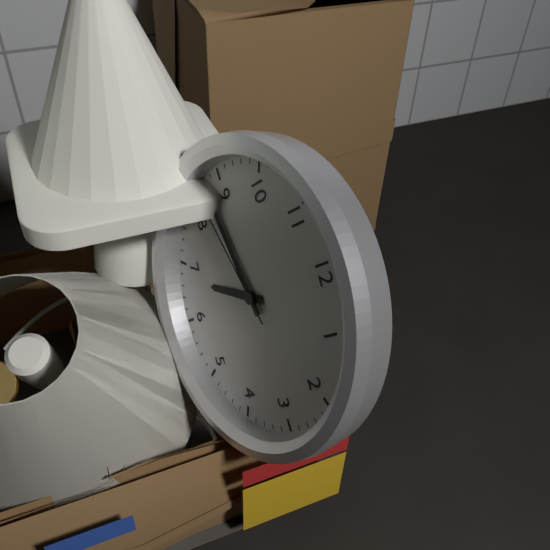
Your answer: 6 h 43 min 42 s
